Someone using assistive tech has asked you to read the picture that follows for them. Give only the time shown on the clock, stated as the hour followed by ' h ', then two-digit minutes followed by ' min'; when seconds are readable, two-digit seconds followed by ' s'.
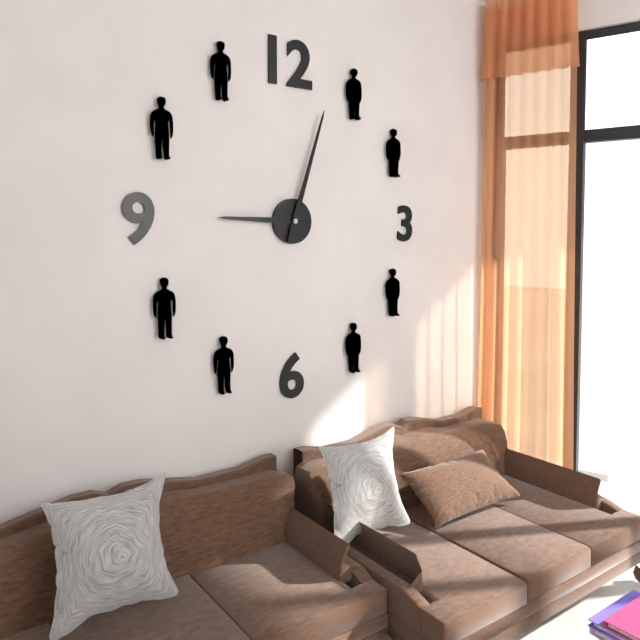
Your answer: 9 h 03 min
